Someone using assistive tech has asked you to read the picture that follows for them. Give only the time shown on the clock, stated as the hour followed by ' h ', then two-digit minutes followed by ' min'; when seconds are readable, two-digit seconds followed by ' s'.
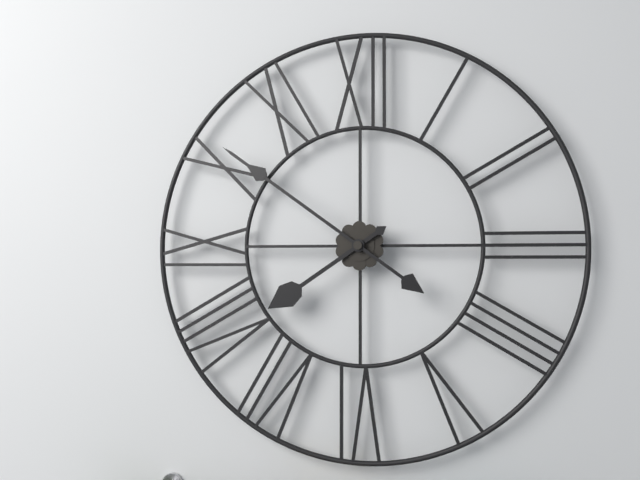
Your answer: 7 h 51 min
